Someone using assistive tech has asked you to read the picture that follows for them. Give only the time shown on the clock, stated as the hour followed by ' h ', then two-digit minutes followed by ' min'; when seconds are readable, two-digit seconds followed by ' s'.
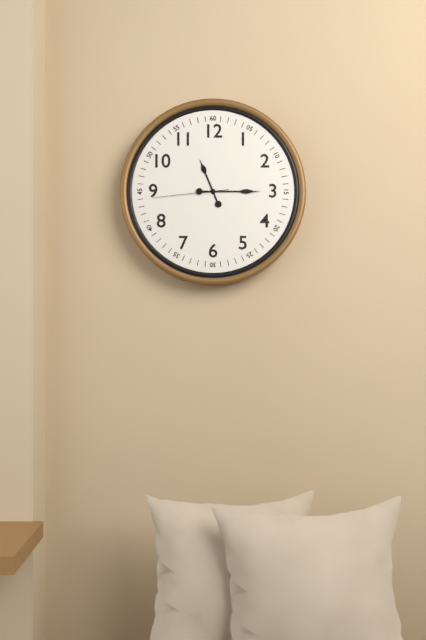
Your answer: 11 h 15 min 44 s
